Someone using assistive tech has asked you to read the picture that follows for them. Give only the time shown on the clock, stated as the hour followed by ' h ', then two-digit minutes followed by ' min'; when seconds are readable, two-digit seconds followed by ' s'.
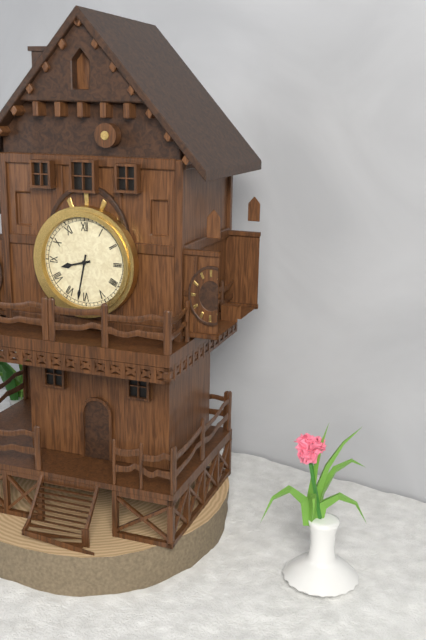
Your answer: 8 h 32 min
